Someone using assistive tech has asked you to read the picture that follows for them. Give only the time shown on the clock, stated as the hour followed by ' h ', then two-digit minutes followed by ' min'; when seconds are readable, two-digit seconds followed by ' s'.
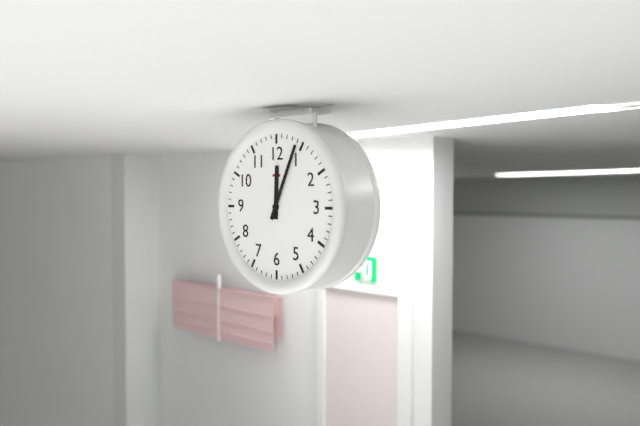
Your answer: 12 h 04 min
